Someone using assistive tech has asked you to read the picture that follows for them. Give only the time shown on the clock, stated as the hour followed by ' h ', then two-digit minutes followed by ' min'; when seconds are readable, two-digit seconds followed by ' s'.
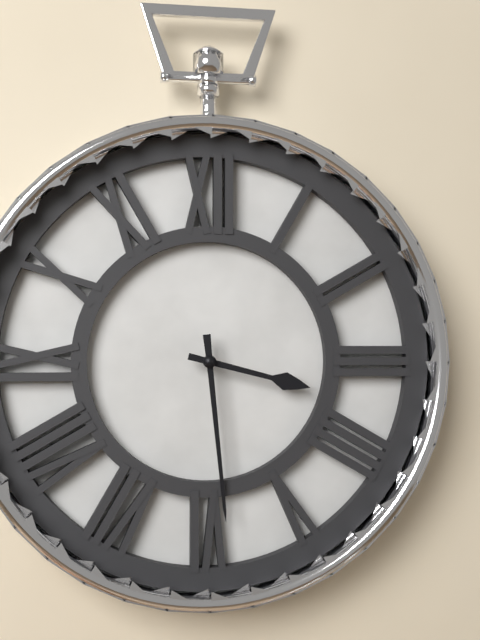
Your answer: 3 h 29 min
